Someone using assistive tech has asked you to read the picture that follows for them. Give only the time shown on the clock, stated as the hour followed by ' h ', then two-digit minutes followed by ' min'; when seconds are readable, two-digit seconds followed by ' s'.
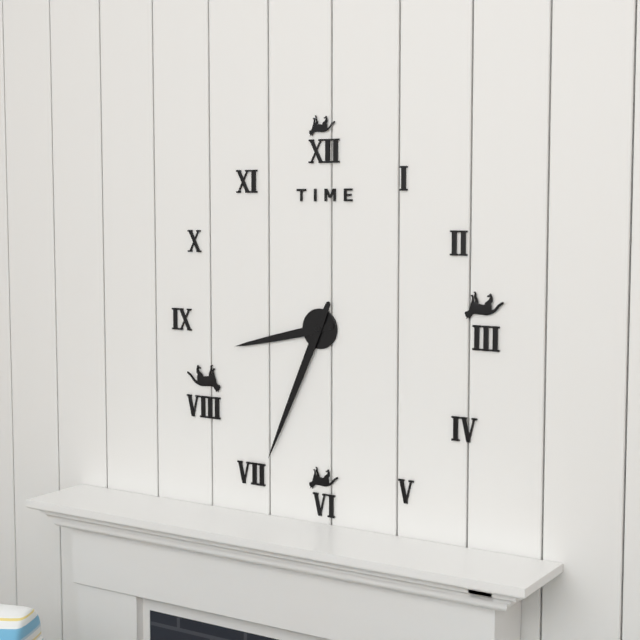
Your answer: 8 h 34 min
